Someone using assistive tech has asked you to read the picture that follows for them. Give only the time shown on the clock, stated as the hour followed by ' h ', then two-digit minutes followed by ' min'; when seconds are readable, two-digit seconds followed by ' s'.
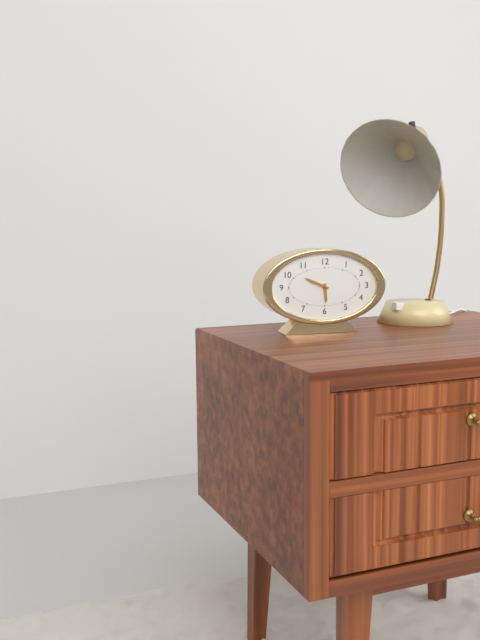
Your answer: 5 h 49 min
